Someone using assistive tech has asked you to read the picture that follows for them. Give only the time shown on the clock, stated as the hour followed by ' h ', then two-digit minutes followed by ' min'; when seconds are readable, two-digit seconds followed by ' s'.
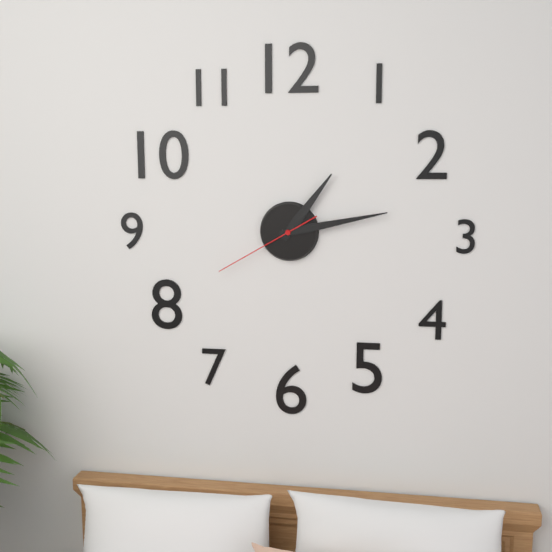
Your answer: 1 h 13 min 40 s
